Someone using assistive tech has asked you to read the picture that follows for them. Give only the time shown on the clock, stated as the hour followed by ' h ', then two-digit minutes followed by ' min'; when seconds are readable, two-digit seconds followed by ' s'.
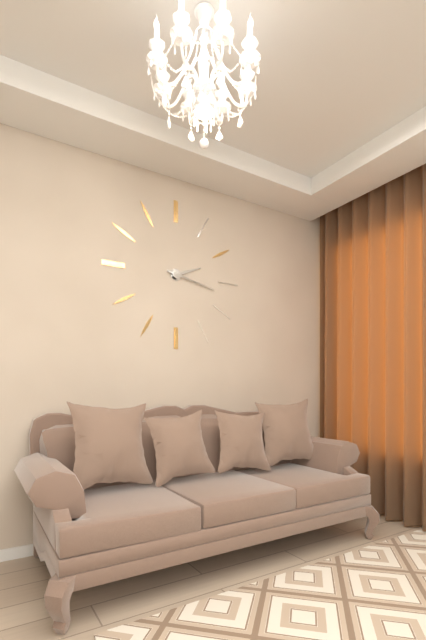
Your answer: 2 h 17 min
